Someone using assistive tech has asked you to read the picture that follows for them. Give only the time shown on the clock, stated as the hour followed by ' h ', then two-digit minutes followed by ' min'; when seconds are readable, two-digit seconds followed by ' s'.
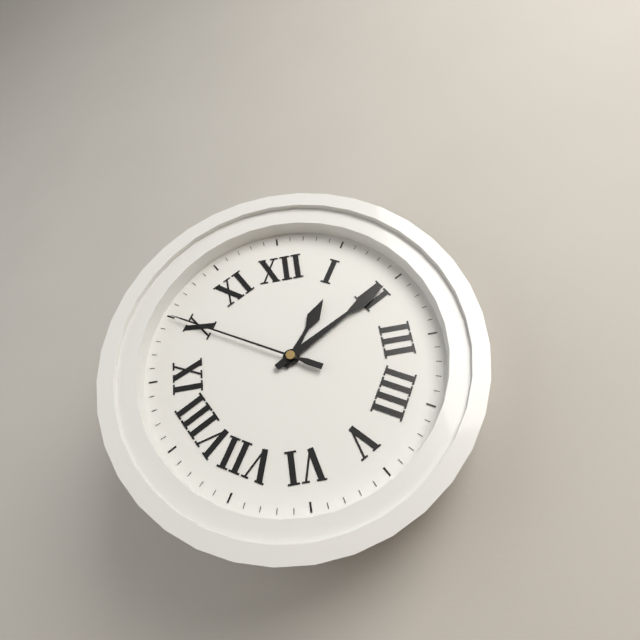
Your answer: 1 h 10 min 50 s
